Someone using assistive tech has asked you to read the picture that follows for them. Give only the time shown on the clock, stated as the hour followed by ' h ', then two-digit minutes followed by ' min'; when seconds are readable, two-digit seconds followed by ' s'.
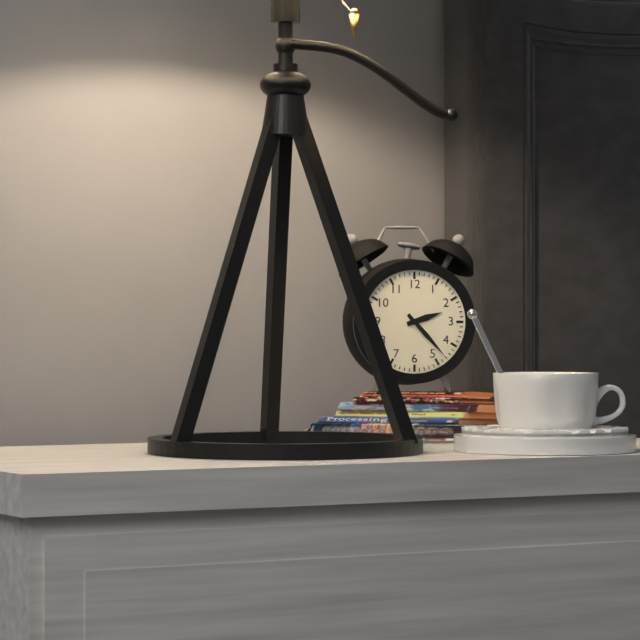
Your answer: 2 h 23 min
